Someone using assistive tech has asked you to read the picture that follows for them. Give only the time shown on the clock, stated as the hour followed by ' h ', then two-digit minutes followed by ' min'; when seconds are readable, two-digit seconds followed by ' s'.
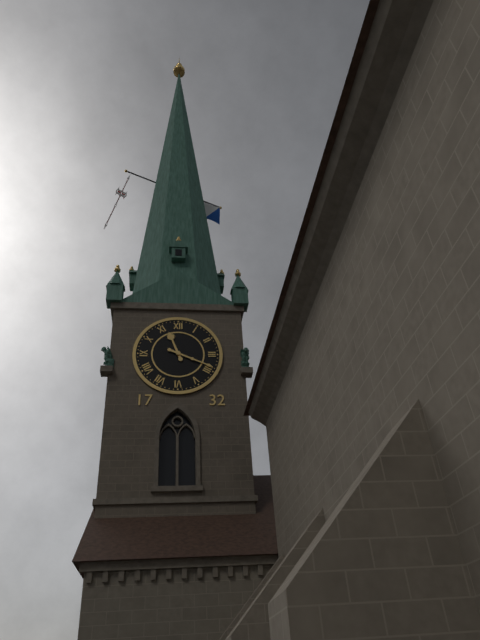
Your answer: 11 h 19 min
